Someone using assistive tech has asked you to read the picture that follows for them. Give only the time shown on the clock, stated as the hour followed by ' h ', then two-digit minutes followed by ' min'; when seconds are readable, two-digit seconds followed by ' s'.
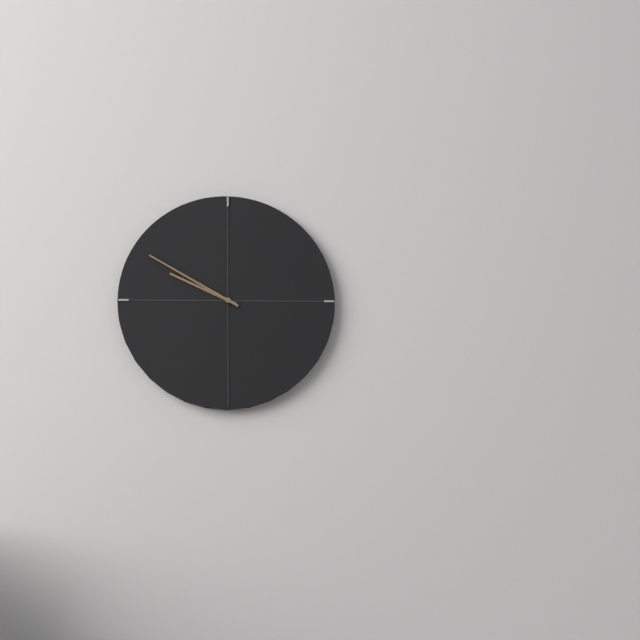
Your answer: 9 h 50 min
